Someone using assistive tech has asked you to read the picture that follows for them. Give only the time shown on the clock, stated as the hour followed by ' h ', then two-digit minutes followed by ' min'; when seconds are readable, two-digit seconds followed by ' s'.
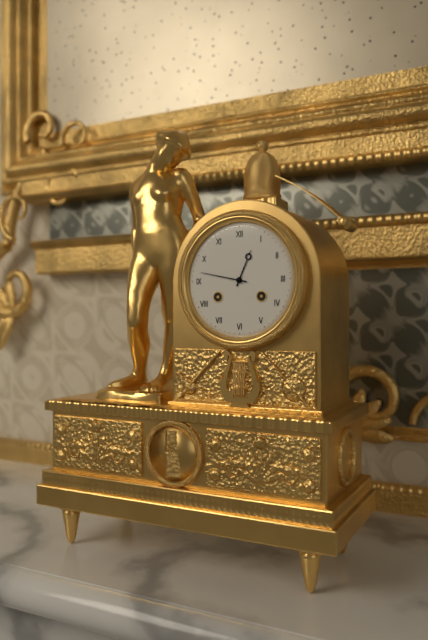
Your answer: 12 h 47 min
